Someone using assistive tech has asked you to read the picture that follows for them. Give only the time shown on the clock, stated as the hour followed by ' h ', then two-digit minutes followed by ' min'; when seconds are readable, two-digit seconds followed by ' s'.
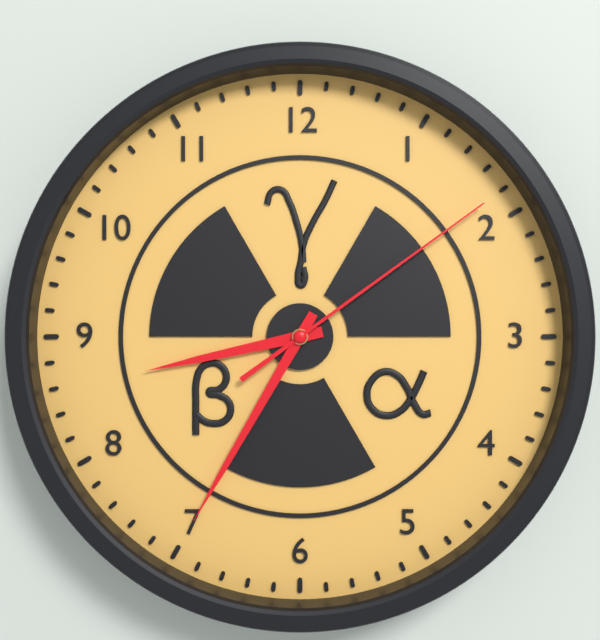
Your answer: 8 h 35 min 09 s
